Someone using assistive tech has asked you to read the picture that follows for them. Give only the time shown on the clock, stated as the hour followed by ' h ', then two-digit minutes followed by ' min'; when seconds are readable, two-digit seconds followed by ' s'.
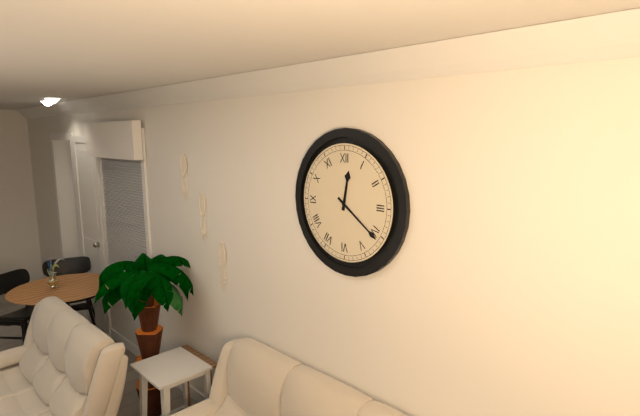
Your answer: 12 h 21 min
